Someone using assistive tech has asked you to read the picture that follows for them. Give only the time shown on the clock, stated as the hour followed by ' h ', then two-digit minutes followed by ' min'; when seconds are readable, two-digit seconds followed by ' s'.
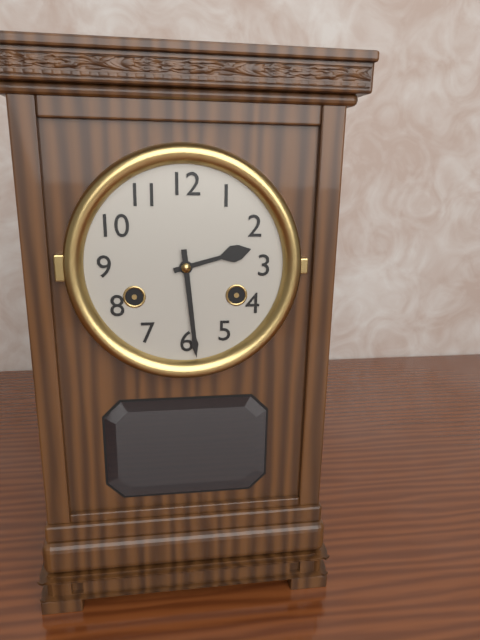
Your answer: 2 h 29 min
